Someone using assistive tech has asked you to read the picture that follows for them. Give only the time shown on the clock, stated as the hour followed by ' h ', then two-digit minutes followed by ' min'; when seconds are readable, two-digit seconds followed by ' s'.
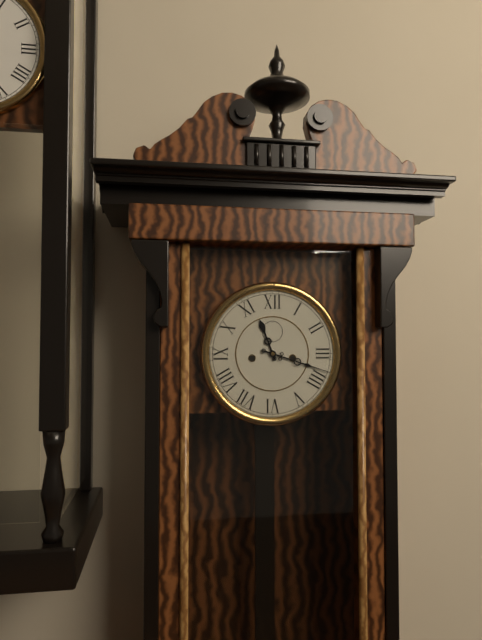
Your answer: 11 h 18 min
